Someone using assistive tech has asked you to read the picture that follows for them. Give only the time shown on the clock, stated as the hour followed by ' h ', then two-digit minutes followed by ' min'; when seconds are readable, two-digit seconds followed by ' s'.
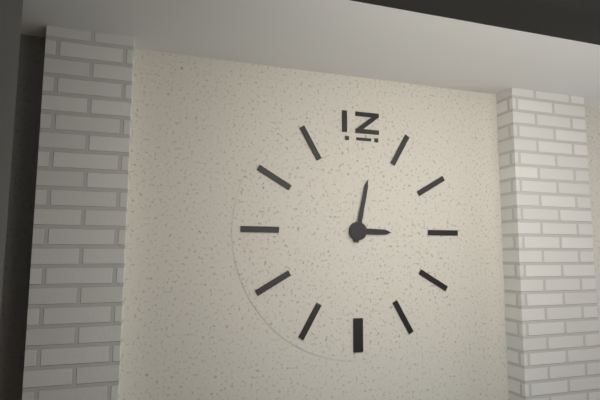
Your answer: 3 h 02 min
